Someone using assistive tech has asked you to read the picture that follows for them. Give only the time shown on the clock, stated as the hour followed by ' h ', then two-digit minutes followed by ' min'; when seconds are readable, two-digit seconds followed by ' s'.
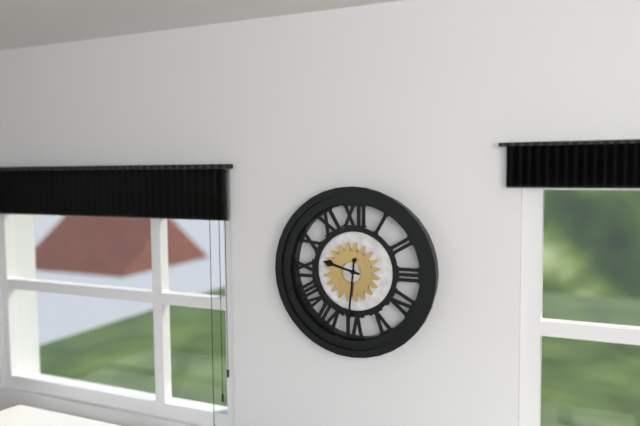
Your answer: 9 h 31 min
